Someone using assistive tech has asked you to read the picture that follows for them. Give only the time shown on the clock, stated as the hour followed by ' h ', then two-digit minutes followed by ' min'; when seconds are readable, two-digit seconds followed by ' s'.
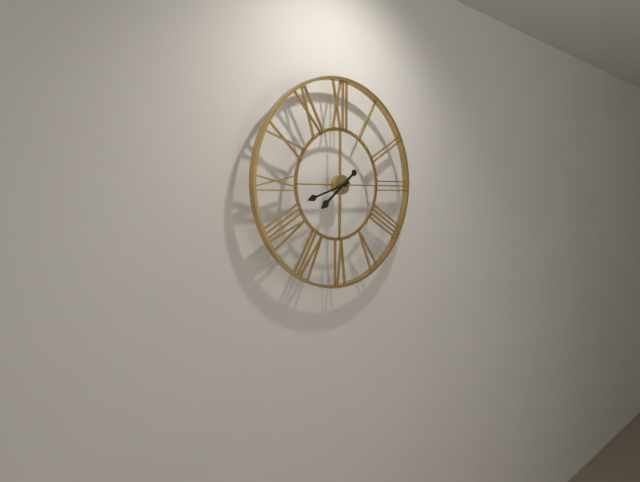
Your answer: 7 h 42 min
